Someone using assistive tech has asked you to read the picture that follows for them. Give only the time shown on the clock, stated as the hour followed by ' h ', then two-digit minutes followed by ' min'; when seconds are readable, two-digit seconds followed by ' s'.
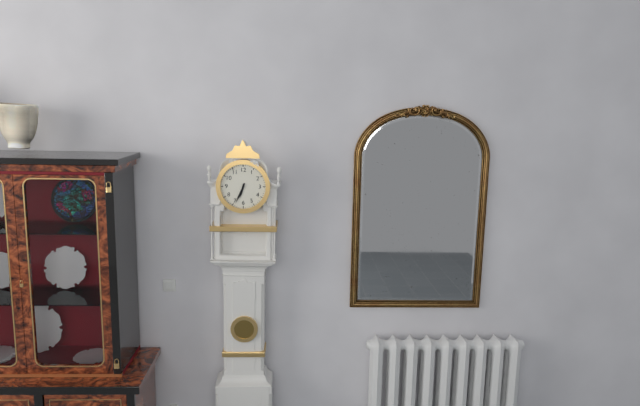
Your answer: 6 h 34 min
